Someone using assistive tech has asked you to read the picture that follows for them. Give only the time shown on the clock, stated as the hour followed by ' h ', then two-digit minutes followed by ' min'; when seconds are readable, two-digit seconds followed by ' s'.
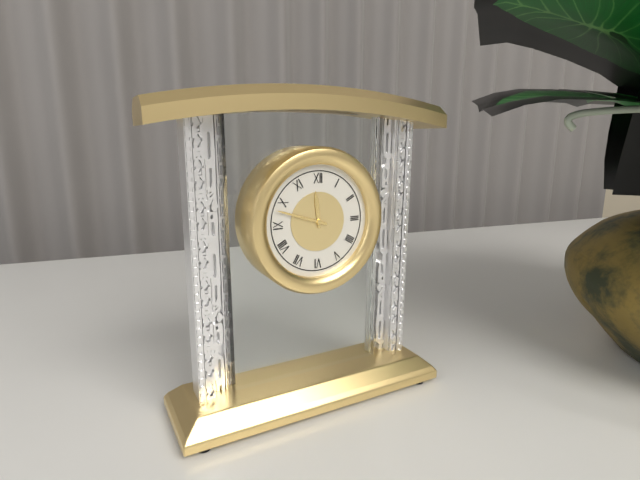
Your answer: 11 h 48 min
